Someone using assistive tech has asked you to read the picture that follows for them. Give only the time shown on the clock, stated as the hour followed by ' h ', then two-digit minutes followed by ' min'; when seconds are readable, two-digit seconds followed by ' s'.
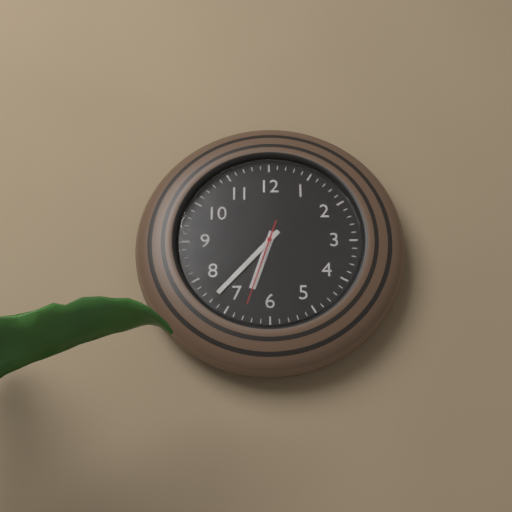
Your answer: 6 h 37 min 33 s
